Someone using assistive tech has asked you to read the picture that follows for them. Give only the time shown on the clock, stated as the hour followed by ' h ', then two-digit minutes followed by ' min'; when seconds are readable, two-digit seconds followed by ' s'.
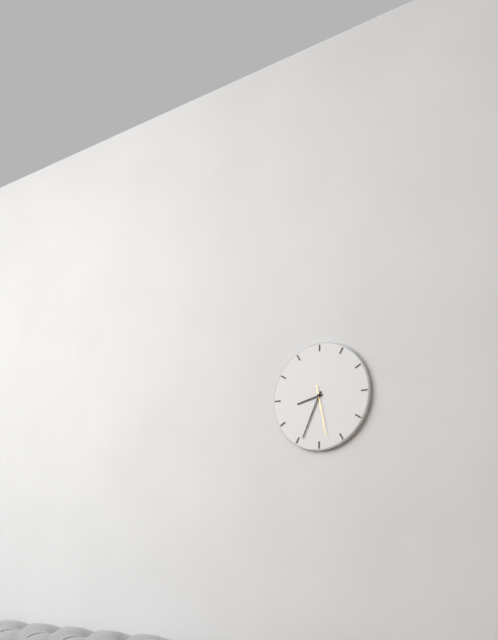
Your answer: 8 h 34 min 28 s
